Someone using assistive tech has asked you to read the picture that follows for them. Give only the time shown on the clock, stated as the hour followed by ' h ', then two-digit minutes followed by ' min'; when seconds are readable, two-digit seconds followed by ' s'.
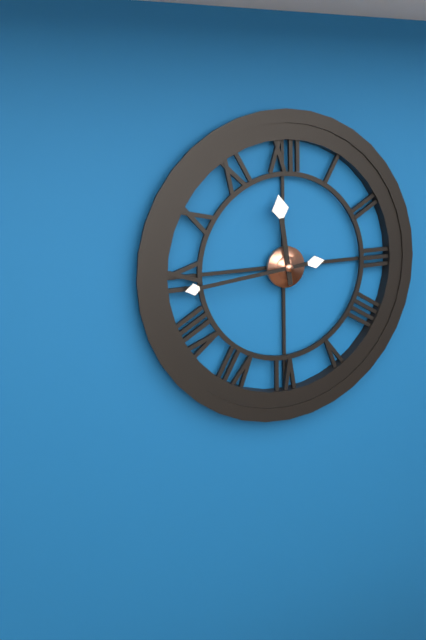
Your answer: 11 h 44 min
